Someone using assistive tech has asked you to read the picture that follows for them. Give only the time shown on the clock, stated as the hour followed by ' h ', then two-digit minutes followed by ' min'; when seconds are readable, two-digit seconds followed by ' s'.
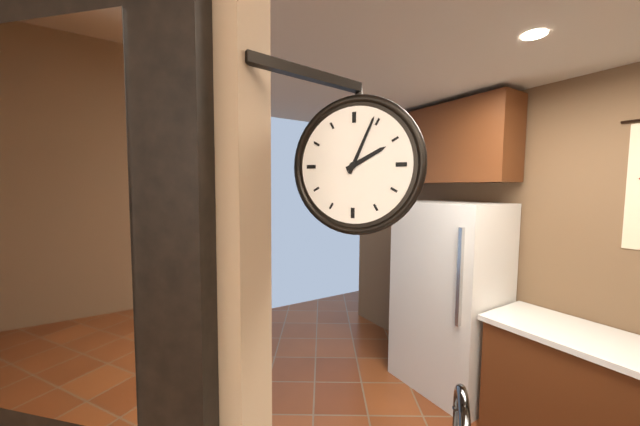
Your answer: 2 h 04 min
